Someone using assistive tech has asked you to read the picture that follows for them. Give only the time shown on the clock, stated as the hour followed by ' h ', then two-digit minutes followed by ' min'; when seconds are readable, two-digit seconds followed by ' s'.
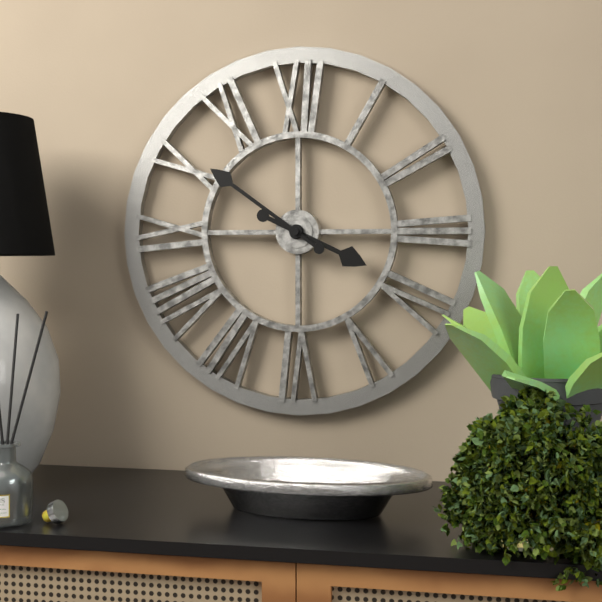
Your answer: 3 h 51 min
